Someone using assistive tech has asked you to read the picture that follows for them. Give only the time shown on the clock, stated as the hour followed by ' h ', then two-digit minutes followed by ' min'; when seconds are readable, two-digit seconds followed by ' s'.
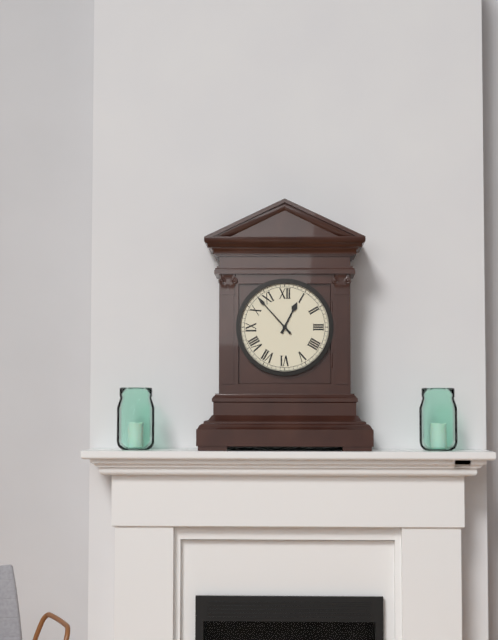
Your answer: 12 h 53 min
